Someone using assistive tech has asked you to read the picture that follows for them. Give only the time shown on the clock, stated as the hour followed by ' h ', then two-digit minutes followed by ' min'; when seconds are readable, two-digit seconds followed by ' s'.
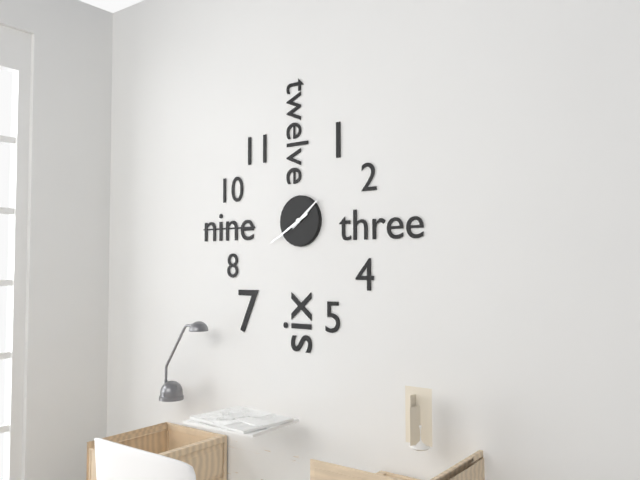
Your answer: 1 h 40 min
